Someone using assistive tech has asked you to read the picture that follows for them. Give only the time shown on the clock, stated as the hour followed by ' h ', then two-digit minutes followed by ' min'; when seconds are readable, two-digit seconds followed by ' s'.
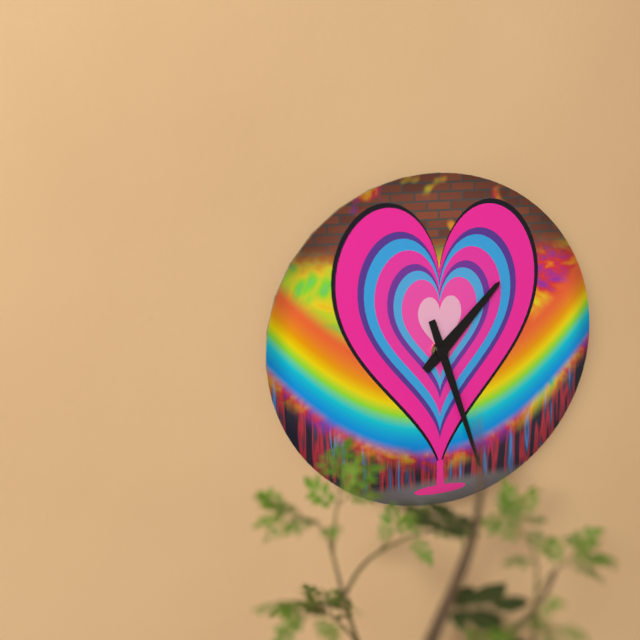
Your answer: 1 h 27 min
